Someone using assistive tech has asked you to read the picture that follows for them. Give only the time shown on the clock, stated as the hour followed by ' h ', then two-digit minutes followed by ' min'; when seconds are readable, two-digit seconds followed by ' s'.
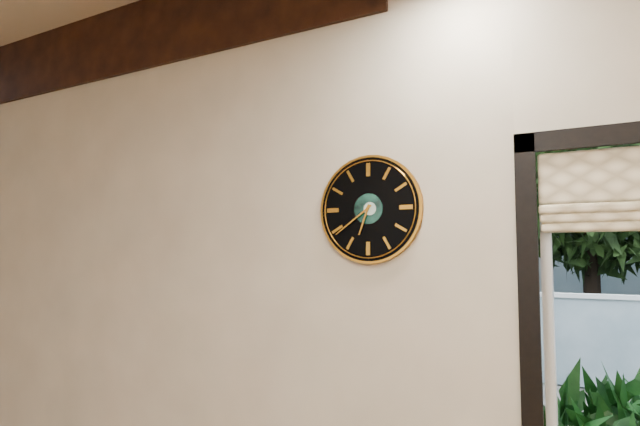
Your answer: 6 h 39 min
